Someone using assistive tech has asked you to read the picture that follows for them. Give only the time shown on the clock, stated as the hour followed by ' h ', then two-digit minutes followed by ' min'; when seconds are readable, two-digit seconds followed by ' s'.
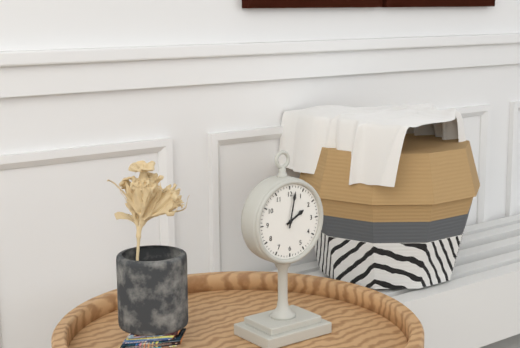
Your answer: 2 h 02 min
